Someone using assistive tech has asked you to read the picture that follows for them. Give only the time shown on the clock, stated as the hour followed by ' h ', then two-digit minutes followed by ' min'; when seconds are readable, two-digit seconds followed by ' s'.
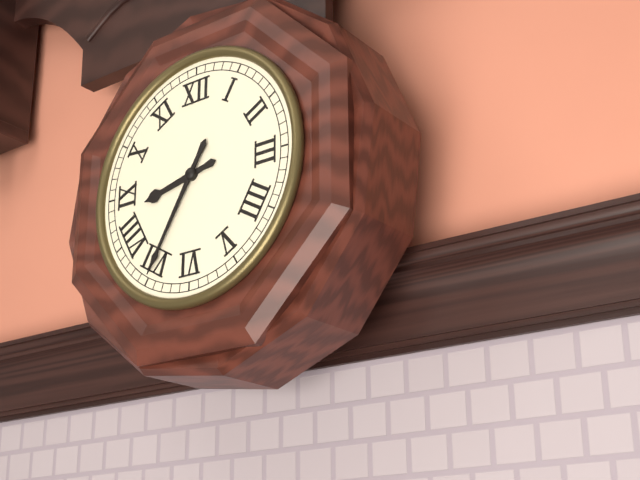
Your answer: 8 h 35 min
